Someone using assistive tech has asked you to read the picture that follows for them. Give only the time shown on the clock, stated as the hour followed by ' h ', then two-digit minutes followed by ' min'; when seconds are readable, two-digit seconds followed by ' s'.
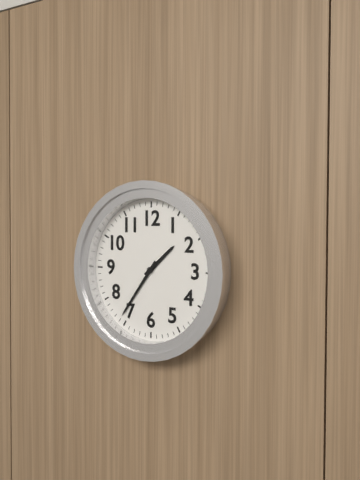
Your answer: 1 h 36 min
